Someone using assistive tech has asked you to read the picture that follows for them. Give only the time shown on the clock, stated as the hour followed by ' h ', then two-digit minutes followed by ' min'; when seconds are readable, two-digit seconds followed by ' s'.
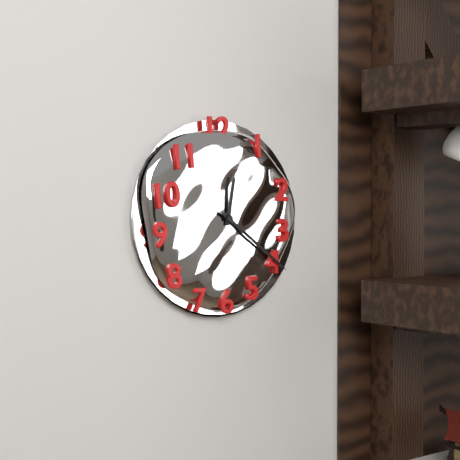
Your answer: 12 h 21 min
